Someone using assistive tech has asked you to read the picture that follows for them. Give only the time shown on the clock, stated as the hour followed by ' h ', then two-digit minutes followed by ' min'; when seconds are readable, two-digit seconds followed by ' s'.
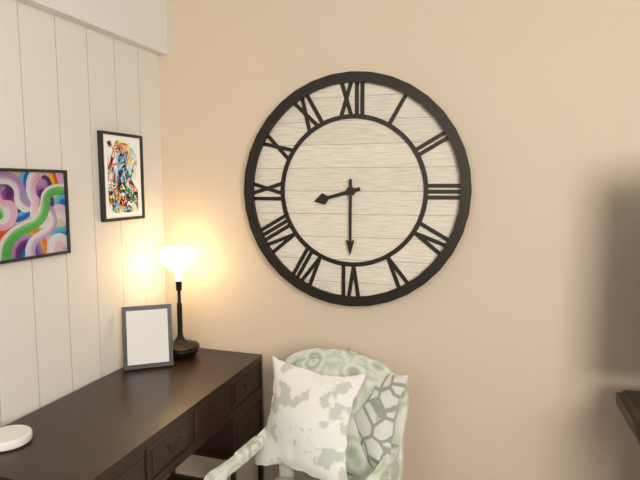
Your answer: 8 h 30 min
